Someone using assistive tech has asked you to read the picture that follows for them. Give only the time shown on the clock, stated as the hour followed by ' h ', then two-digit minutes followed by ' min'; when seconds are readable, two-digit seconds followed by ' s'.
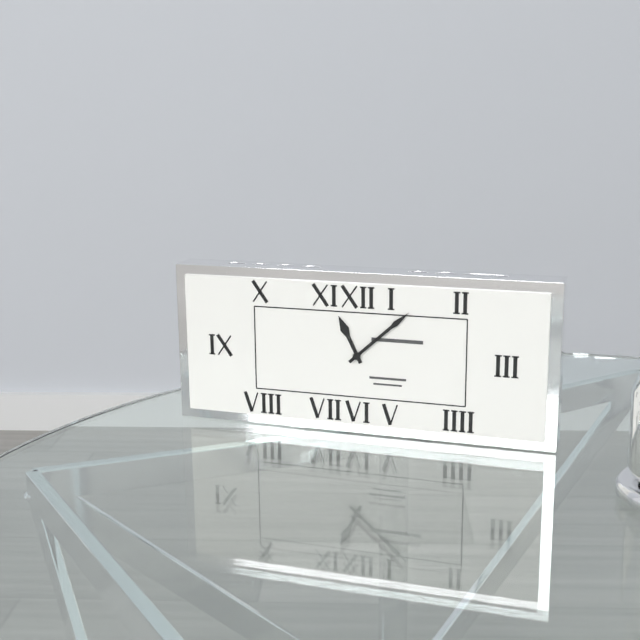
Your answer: 11 h 08 min
